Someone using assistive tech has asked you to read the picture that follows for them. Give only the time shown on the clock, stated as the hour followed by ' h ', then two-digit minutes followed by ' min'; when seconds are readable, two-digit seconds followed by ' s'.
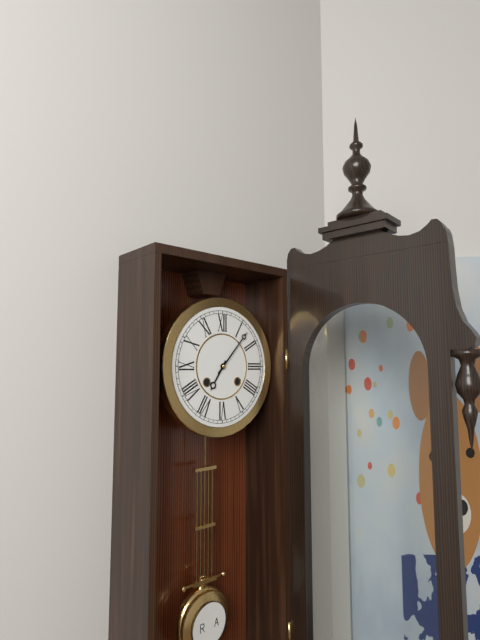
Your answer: 7 h 07 min
